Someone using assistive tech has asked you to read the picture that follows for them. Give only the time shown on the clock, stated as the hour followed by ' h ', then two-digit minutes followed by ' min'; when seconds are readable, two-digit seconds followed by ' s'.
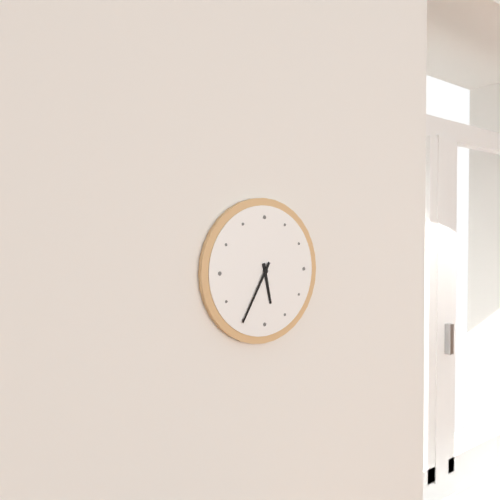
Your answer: 5 h 35 min
